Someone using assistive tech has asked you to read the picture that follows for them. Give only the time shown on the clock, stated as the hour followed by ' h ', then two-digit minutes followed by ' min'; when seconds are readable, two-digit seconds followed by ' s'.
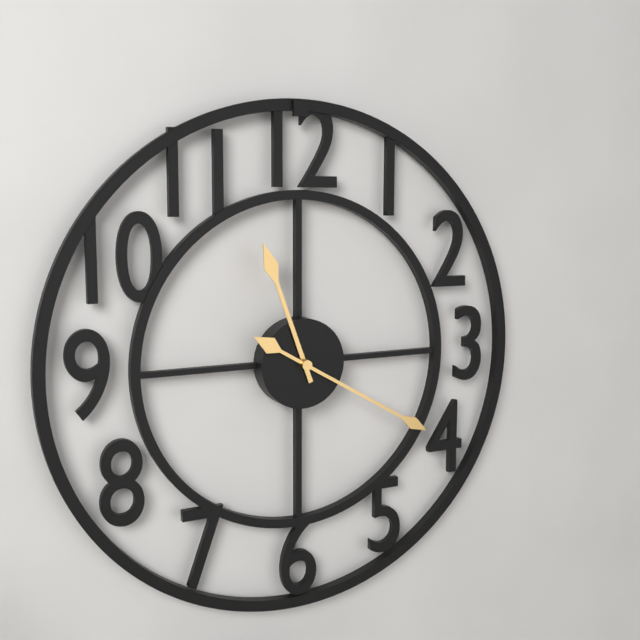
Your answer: 11 h 20 min
